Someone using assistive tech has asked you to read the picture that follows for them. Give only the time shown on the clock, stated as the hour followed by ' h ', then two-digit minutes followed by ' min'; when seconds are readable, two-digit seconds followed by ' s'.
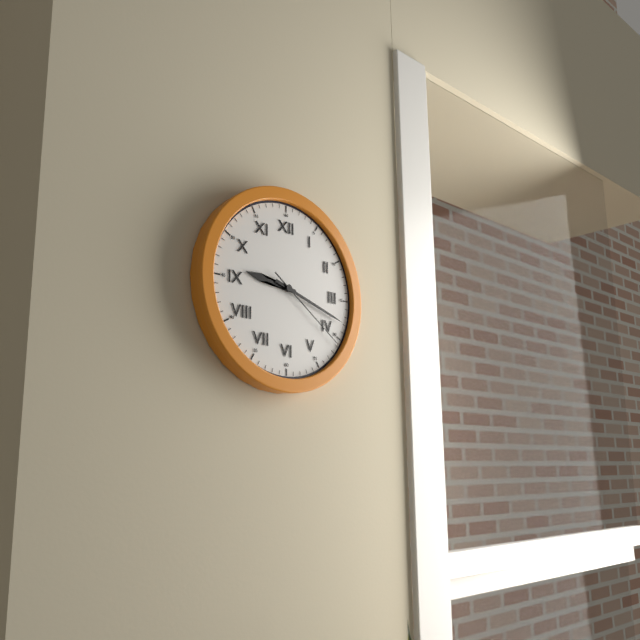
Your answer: 9 h 18 min 21 s
